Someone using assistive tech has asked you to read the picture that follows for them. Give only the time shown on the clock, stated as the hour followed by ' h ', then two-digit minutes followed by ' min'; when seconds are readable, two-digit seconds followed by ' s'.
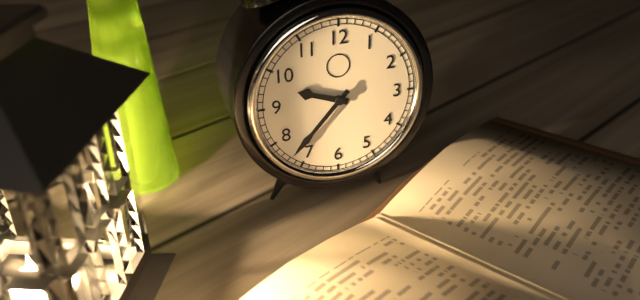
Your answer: 9 h 37 min
